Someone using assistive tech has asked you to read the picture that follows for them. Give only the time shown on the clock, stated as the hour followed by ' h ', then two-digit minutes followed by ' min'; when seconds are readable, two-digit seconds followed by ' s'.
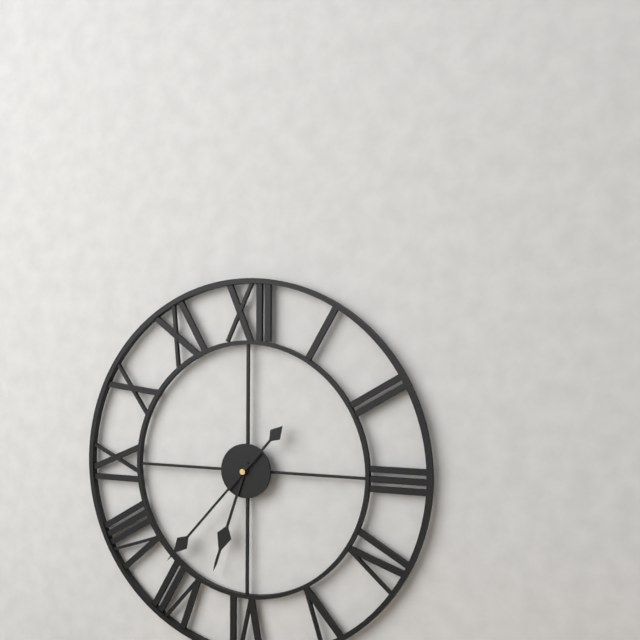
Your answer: 6 h 37 min
